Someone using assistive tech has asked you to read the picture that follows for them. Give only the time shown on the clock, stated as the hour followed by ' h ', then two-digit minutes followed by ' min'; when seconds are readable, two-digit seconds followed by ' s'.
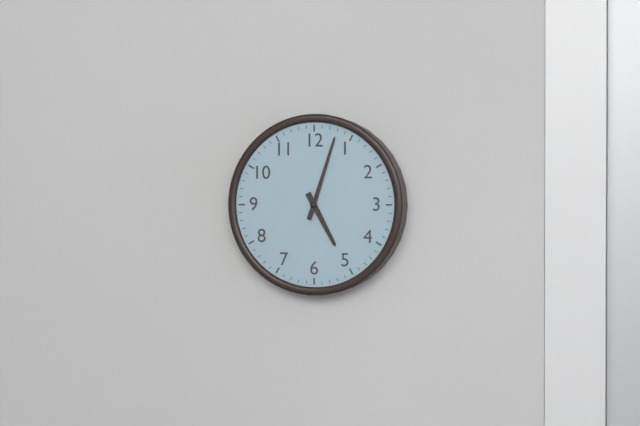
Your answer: 5 h 03 min
